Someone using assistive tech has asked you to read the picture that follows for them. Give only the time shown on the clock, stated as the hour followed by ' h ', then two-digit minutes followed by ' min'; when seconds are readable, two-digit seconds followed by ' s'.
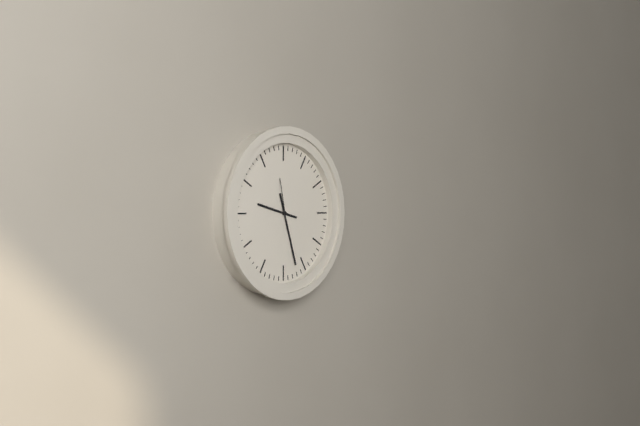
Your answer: 9 h 27 min
